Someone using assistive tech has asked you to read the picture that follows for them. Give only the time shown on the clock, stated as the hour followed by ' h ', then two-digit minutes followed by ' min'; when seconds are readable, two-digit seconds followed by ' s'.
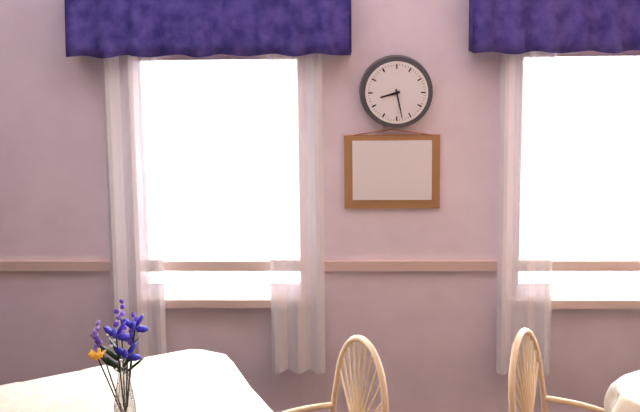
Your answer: 8 h 28 min
